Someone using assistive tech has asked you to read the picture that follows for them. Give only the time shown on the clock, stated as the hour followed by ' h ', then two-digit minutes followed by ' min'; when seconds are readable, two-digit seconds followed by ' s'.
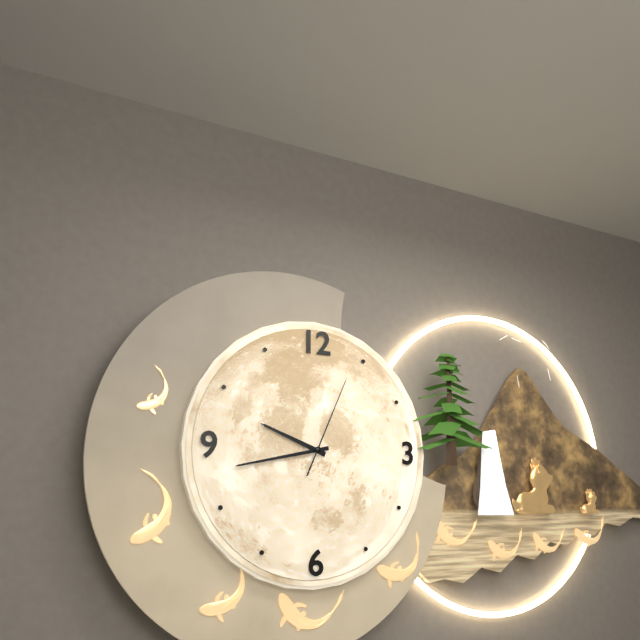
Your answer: 9 h 43 min 04 s
